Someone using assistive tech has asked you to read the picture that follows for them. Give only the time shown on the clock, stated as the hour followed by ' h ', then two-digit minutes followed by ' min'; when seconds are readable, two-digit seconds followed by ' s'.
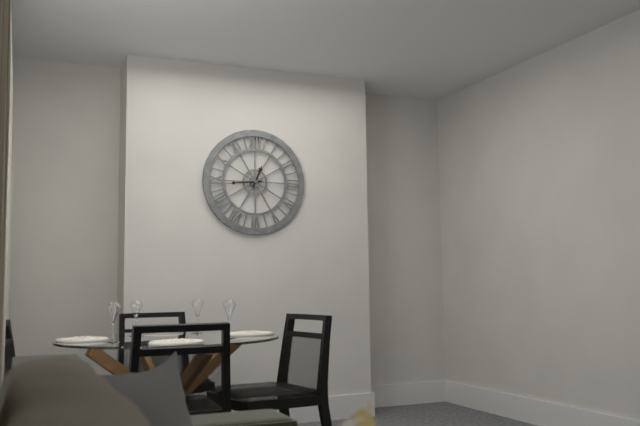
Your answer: 12 h 44 min
